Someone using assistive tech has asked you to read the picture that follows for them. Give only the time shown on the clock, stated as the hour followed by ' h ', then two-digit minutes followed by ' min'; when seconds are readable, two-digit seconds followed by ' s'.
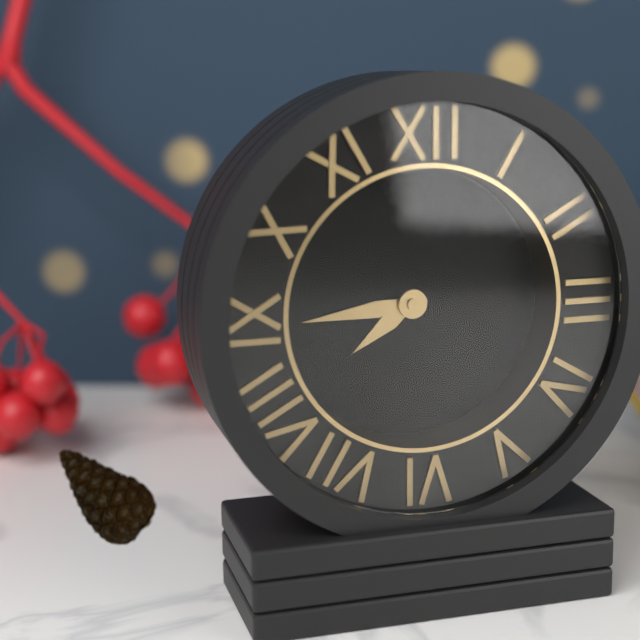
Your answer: 7 h 44 min
